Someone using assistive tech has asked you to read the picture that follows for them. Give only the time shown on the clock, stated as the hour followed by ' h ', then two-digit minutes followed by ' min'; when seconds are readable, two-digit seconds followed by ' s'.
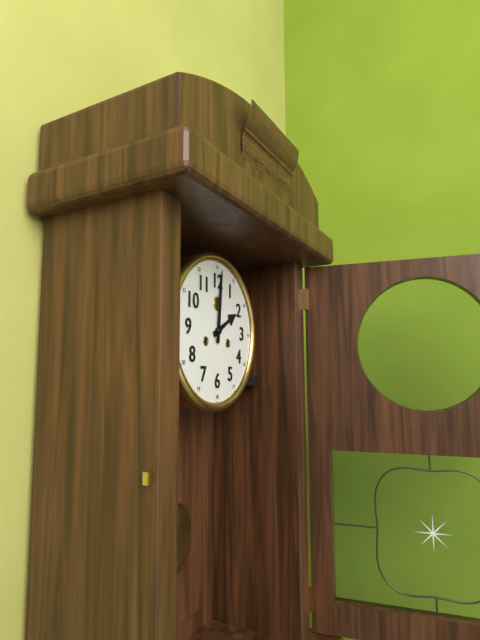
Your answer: 2 h 01 min
